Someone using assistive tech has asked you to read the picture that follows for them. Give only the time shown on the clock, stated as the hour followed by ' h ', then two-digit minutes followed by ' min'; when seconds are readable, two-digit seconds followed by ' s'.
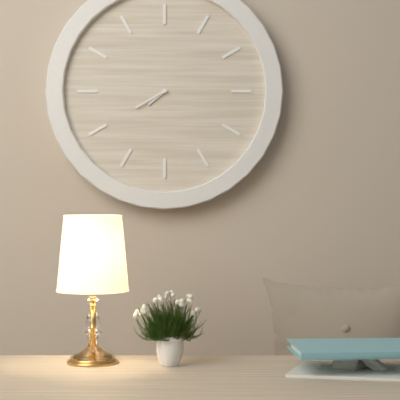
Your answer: 7 h 40 min
